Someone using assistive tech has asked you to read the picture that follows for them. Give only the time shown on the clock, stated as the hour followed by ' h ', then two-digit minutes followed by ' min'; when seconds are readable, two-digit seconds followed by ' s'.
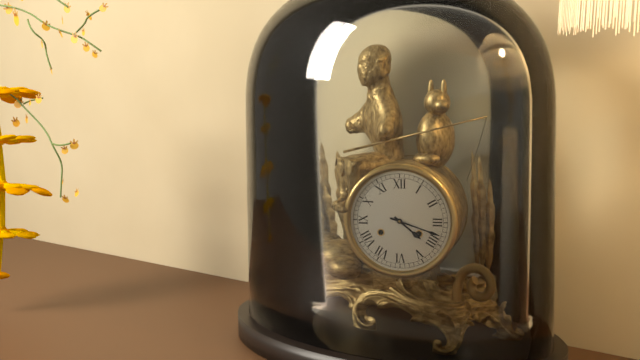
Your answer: 4 h 18 min
